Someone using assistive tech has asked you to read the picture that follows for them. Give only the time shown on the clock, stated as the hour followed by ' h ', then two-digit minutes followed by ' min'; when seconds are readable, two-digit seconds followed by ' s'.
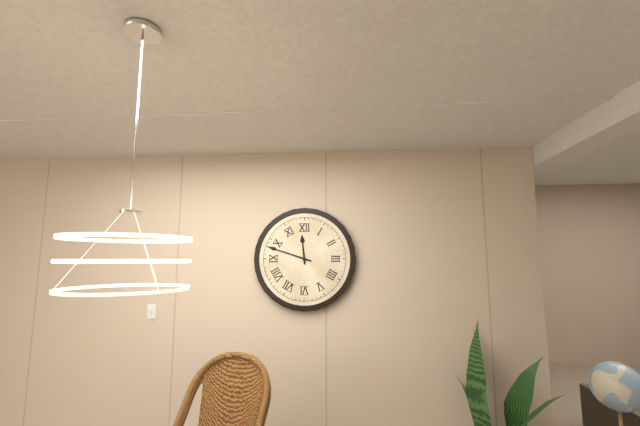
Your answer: 11 h 48 min
